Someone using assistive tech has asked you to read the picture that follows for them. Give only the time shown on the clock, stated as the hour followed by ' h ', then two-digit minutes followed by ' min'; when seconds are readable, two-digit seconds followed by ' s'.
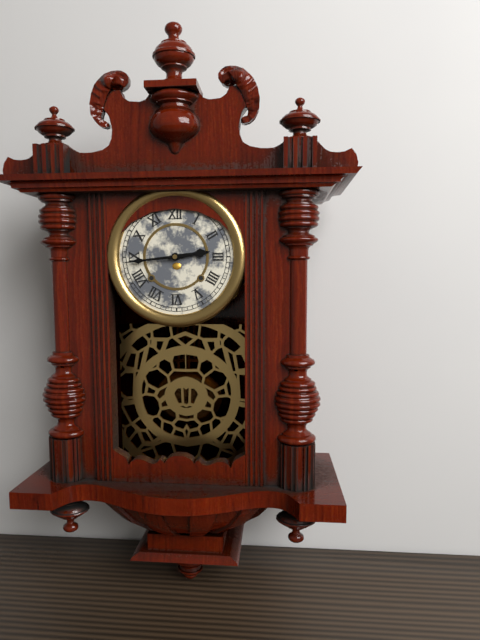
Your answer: 2 h 44 min
